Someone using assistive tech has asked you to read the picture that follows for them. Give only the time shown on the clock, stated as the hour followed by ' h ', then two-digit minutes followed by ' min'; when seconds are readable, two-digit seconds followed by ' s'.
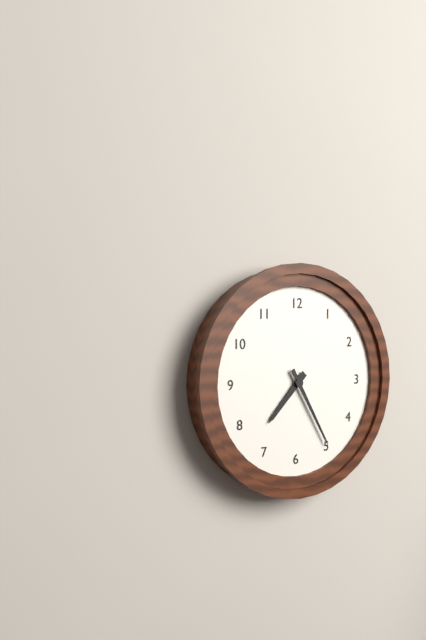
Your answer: 7 h 25 min
